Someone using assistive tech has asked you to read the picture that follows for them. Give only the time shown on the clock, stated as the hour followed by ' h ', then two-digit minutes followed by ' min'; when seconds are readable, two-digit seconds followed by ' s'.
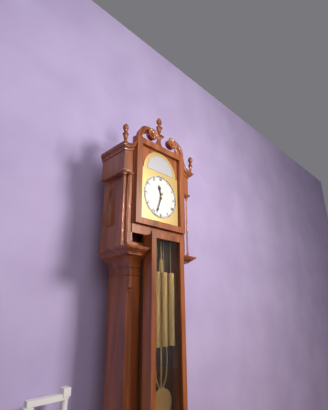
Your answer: 11 h 33 min
